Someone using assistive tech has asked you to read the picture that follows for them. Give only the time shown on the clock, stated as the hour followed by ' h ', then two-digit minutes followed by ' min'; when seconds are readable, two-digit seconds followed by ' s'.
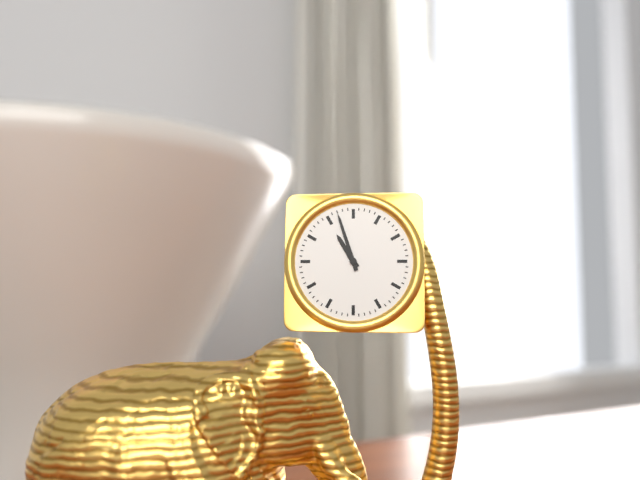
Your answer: 10 h 57 min
